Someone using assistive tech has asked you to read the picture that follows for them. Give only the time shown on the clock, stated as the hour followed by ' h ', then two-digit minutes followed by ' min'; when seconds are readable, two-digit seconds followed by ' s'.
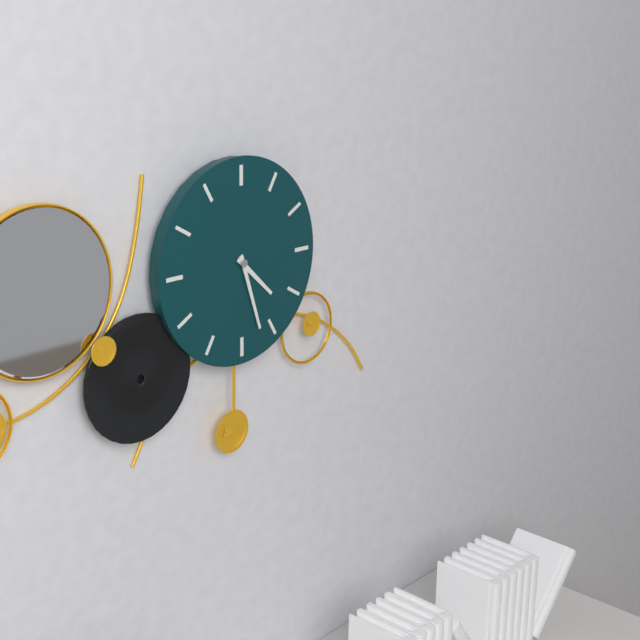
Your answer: 4 h 27 min
